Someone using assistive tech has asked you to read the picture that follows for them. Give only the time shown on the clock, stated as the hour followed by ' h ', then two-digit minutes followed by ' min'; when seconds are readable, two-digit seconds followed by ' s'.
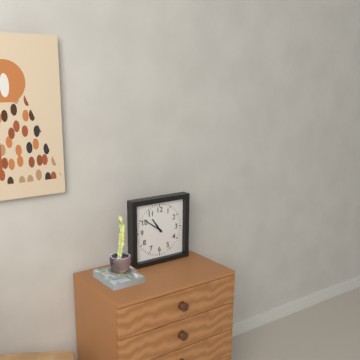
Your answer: 10 h 51 min
